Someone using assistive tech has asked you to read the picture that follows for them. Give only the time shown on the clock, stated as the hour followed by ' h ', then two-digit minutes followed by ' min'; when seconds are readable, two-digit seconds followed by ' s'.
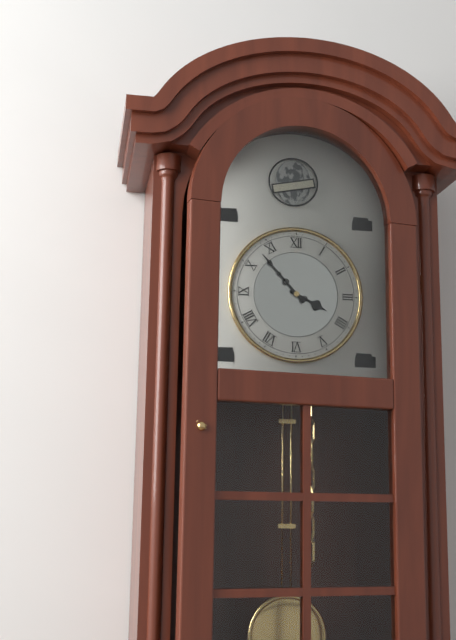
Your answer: 3 h 53 min
